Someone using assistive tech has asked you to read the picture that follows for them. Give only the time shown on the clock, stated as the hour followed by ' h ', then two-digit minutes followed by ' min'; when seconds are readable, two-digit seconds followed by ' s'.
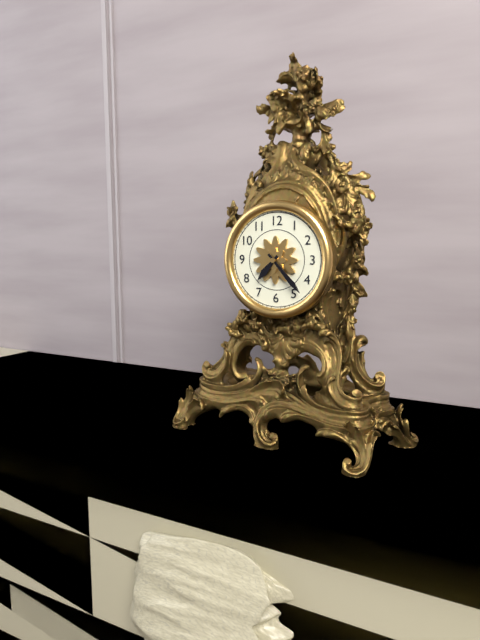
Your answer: 7 h 23 min
